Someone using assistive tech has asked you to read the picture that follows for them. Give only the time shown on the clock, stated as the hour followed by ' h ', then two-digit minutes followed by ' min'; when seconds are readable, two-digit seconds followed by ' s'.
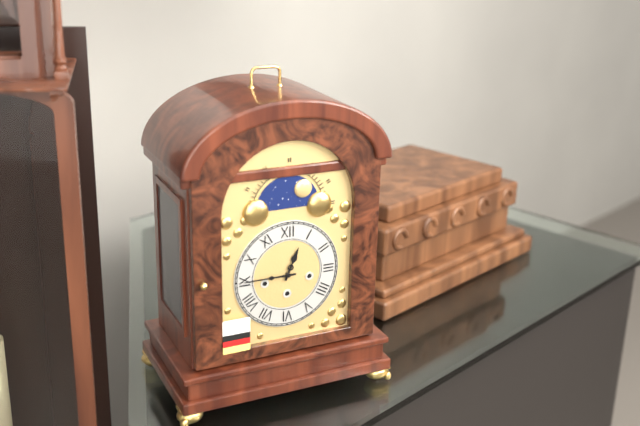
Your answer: 12 h 45 min
